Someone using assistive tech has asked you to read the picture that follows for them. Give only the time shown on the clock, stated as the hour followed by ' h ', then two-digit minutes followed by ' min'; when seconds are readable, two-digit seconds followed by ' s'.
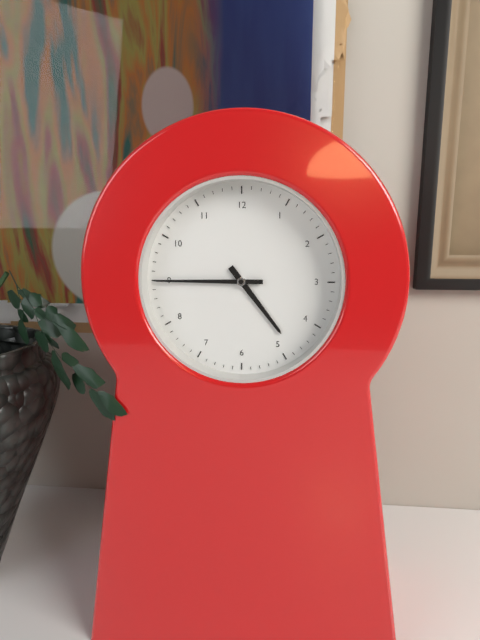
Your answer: 4 h 45 min
